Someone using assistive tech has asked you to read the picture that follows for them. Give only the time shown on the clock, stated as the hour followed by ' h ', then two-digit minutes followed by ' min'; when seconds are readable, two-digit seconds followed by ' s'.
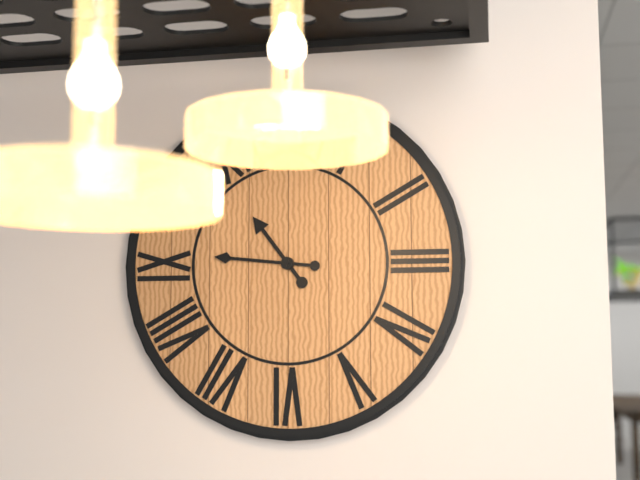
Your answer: 10 h 46 min
